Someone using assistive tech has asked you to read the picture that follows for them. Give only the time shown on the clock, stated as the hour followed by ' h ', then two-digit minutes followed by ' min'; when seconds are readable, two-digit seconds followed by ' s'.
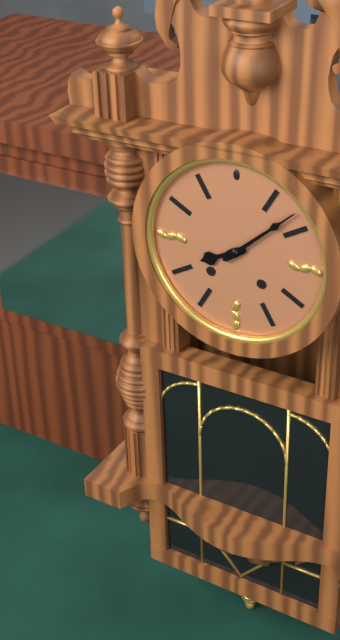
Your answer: 8 h 08 min
